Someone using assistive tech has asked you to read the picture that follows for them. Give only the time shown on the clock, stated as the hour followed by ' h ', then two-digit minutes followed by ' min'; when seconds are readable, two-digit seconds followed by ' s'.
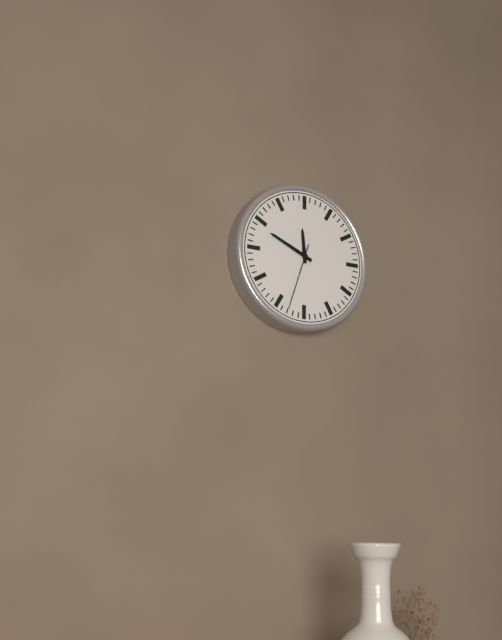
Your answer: 11 h 49 min 33 s
